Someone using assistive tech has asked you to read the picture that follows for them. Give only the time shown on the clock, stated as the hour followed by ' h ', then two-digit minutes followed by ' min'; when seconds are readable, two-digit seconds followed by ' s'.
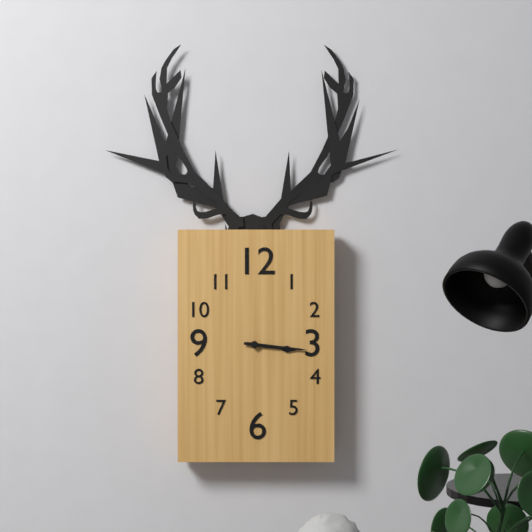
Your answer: 3 h 16 min
